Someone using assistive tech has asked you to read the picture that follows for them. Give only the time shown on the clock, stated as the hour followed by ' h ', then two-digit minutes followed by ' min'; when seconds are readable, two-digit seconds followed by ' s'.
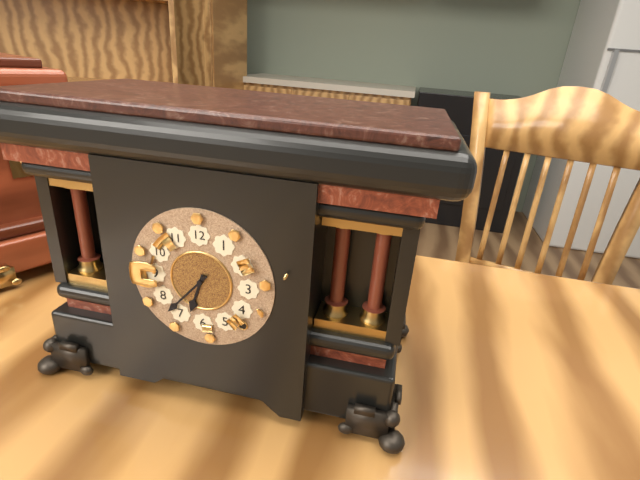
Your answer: 6 h 37 min
